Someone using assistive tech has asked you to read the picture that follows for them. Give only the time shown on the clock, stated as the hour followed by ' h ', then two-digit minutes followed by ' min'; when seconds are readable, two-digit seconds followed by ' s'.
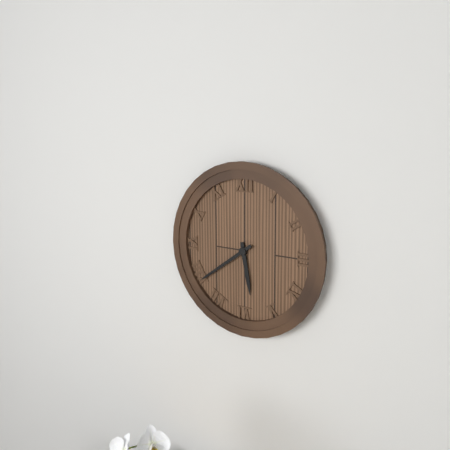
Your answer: 5 h 39 min
